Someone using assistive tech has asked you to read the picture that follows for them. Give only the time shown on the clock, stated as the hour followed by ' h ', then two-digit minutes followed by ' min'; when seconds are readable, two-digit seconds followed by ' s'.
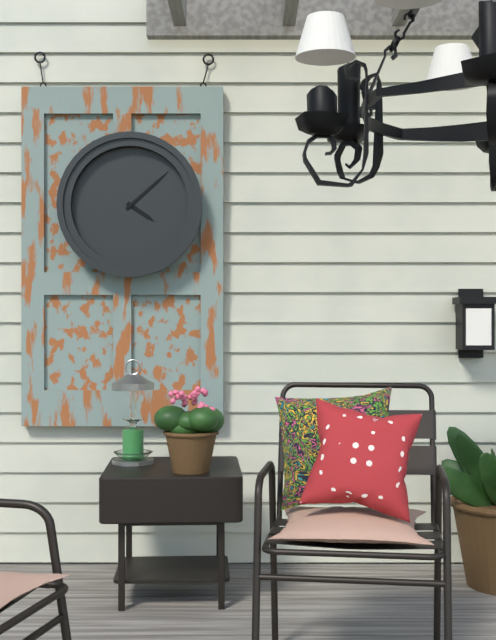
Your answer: 4 h 08 min
